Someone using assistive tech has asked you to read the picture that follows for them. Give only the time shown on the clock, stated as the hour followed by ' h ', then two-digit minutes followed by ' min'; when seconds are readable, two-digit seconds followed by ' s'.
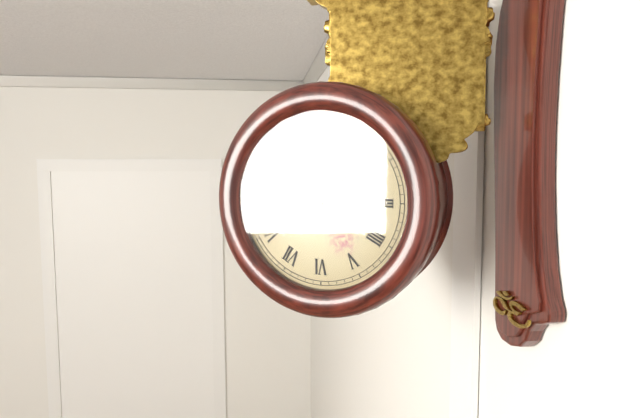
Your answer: 12 h 08 min 04 s
